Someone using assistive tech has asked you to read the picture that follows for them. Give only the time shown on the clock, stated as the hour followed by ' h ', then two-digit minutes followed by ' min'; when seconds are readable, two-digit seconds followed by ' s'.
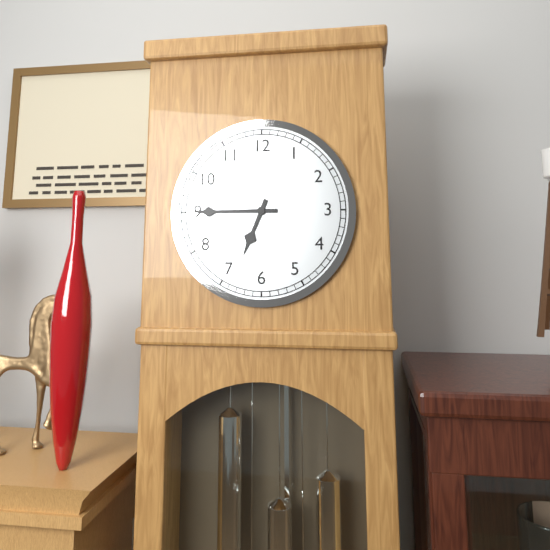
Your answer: 6 h 45 min
